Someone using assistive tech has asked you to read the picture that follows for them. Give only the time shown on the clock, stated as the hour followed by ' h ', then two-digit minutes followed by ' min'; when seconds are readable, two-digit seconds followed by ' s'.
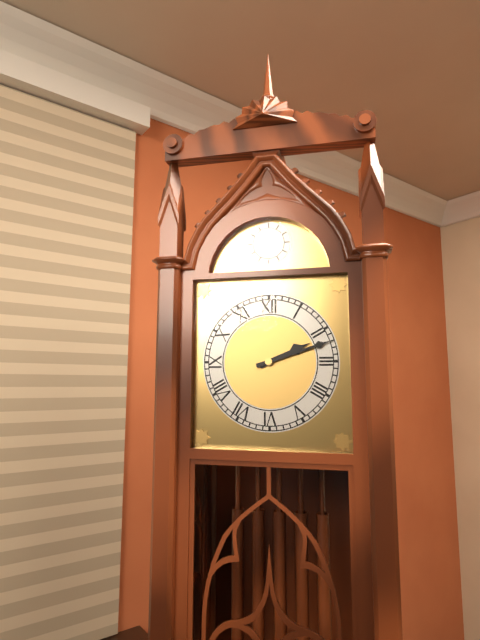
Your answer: 2 h 12 min
